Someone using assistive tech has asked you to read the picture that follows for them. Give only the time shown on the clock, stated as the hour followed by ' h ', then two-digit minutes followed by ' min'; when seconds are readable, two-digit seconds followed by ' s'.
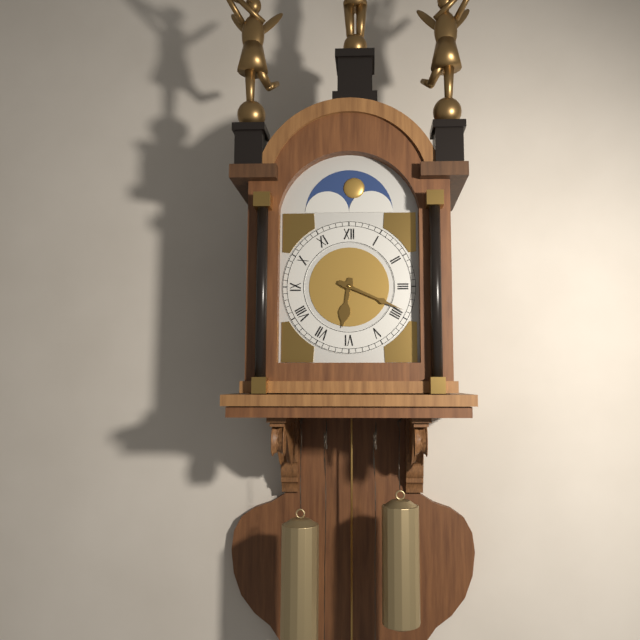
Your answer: 6 h 19 min
